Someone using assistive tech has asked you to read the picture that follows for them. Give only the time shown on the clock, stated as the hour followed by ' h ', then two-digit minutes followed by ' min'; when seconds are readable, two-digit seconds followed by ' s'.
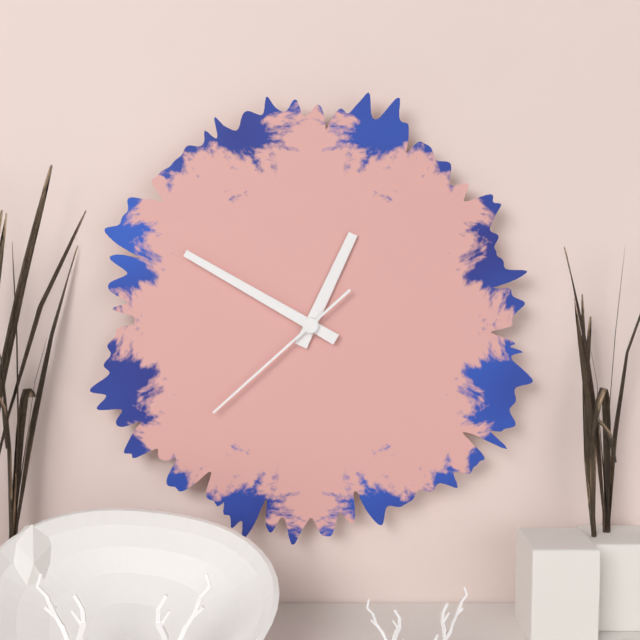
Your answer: 12 h 50 min 38 s
